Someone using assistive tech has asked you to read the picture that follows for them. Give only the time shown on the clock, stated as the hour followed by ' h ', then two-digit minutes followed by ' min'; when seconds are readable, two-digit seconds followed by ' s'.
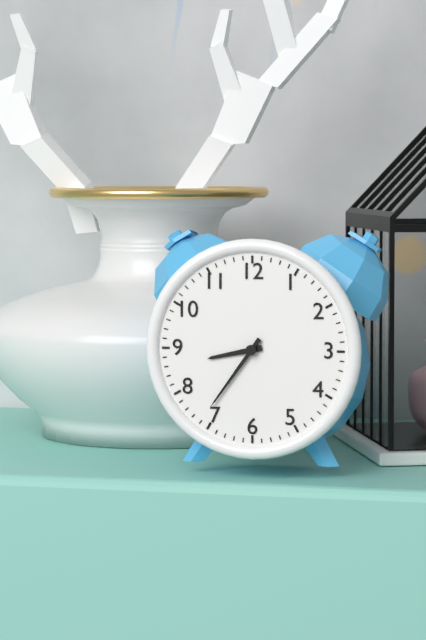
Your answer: 8 h 36 min
